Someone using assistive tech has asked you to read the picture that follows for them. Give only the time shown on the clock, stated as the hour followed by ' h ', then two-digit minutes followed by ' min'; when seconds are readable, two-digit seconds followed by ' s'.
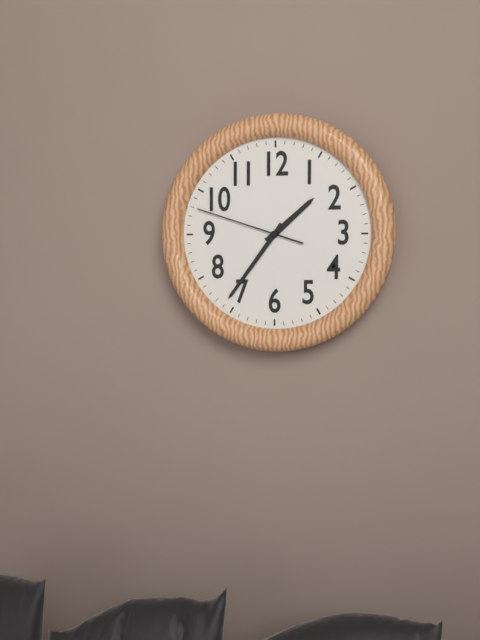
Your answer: 1 h 36 min 48 s
